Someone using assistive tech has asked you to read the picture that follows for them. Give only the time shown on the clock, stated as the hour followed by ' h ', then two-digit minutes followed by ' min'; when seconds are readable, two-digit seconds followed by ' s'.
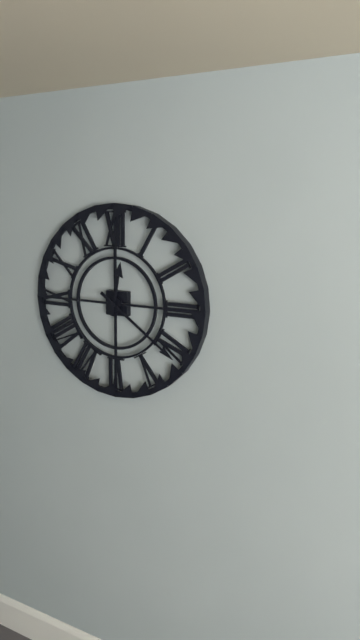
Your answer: 12 h 21 min
